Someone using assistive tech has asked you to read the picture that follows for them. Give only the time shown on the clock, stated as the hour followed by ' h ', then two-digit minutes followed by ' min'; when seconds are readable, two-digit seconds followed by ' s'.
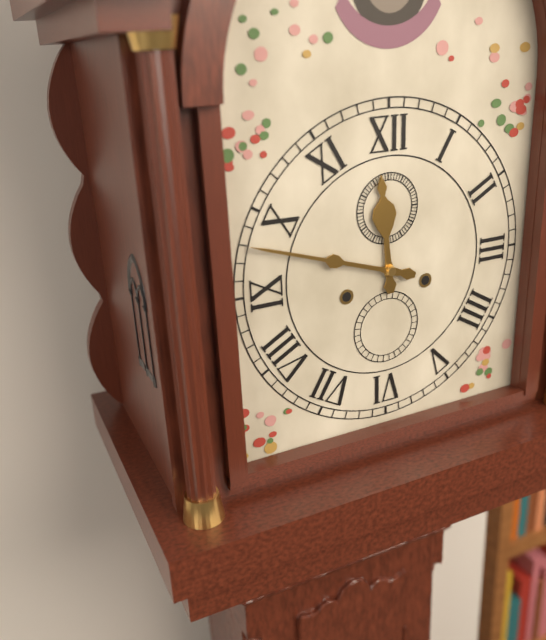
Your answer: 11 h 48 min
